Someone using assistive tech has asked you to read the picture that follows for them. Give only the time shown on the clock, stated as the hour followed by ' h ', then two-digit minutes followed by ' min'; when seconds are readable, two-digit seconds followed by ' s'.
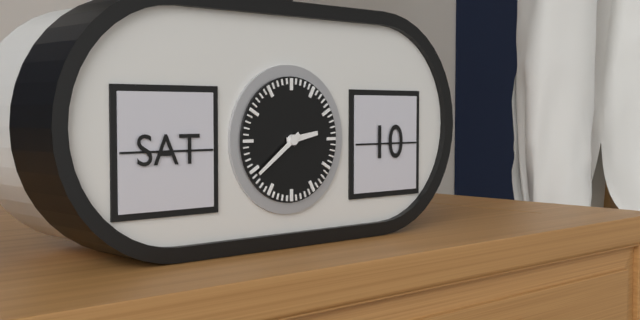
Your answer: 2 h 39 min
